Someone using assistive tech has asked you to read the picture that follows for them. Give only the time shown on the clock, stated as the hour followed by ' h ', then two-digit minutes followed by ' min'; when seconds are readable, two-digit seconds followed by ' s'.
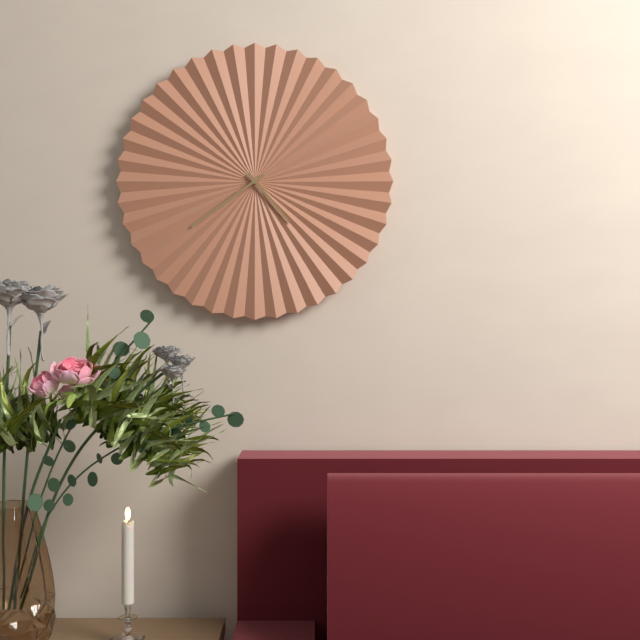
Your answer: 4 h 39 min
